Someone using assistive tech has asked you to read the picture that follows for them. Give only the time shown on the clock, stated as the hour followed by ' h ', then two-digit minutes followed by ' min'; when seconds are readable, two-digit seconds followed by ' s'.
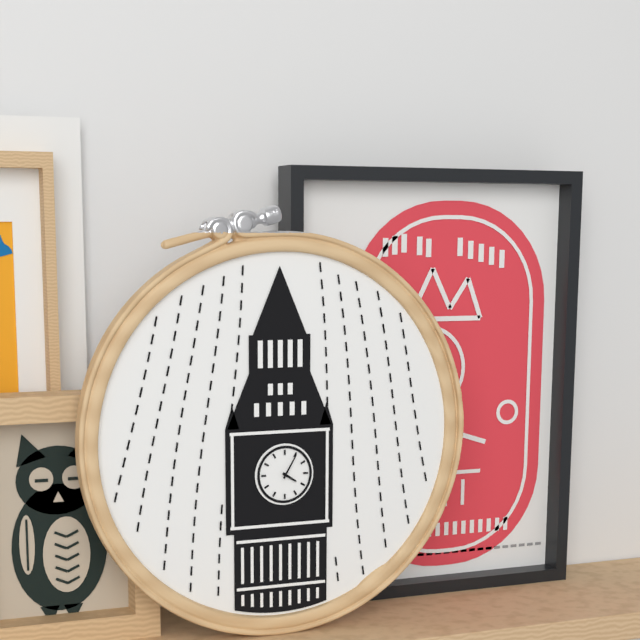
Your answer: 4 h 05 min
